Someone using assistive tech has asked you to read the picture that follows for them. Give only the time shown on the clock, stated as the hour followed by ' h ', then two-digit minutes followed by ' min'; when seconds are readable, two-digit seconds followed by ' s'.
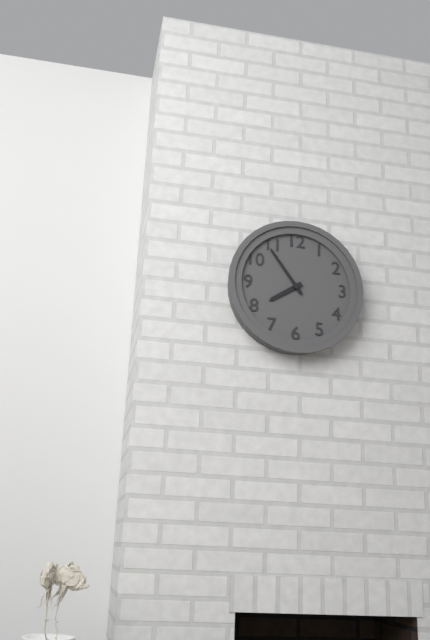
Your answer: 7 h 54 min
